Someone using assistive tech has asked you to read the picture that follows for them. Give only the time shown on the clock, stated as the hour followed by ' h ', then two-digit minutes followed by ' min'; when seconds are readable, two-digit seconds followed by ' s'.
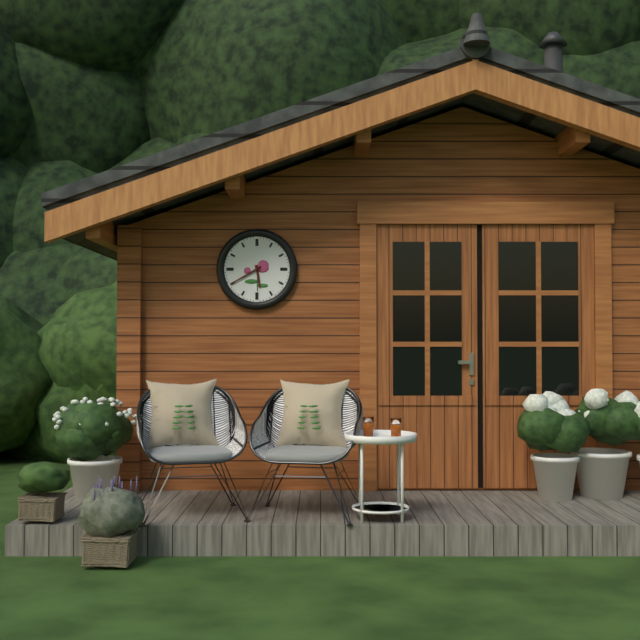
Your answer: 5 h 40 min
